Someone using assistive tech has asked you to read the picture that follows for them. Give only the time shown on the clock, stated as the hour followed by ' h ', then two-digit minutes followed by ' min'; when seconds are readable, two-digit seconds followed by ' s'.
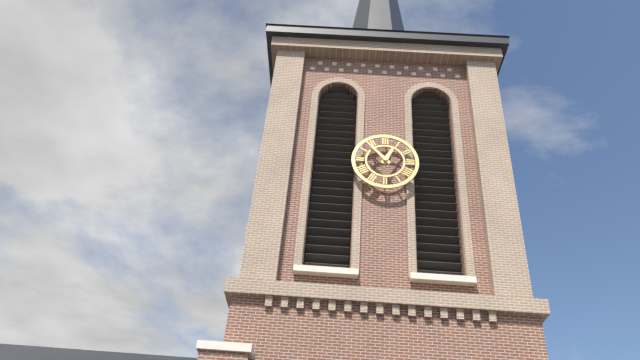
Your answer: 12 h 53 min
